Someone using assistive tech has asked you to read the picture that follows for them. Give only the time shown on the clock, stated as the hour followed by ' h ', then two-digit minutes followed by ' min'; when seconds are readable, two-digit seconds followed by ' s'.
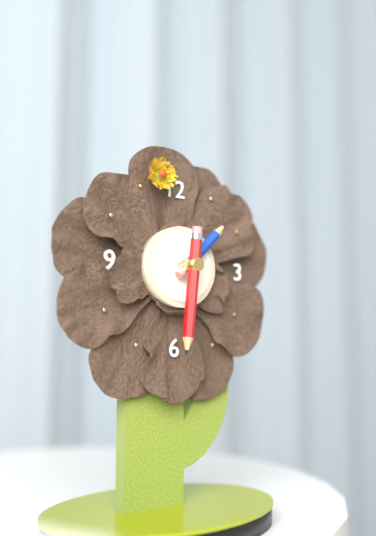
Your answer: 1 h 31 min
